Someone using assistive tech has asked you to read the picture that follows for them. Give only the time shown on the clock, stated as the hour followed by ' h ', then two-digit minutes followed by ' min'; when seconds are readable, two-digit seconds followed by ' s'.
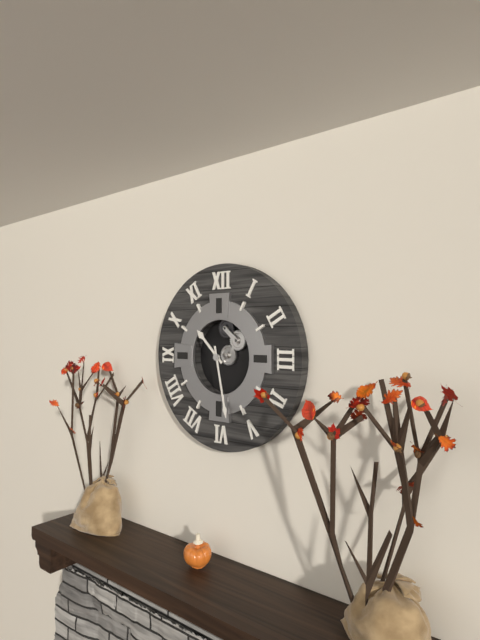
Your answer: 10 h 28 min
